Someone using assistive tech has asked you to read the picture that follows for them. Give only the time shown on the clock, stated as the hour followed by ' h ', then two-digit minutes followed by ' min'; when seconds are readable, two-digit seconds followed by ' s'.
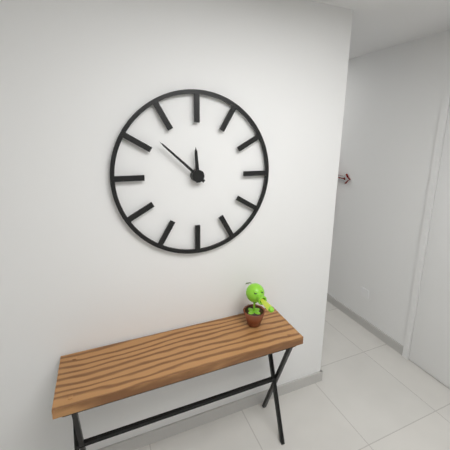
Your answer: 11 h 52 min
